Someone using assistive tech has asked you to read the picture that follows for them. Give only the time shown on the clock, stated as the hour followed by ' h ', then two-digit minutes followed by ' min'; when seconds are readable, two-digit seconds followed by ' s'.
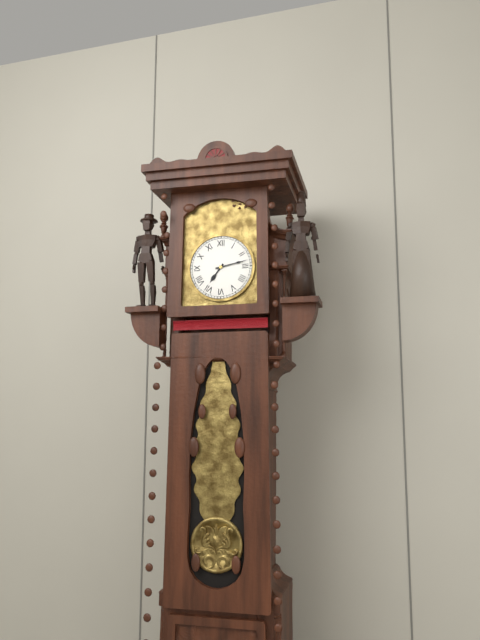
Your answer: 7 h 13 min
